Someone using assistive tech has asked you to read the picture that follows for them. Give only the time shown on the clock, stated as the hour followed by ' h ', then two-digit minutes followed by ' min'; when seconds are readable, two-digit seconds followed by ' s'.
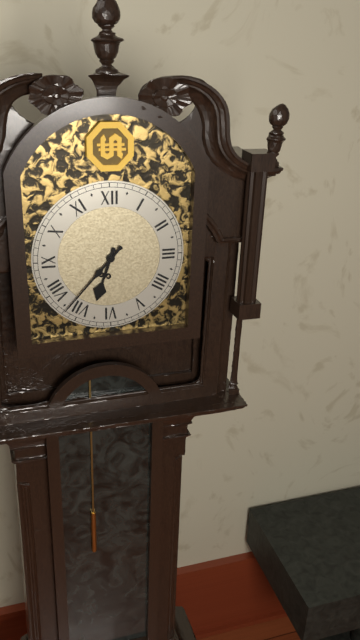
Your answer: 6 h 37 min
